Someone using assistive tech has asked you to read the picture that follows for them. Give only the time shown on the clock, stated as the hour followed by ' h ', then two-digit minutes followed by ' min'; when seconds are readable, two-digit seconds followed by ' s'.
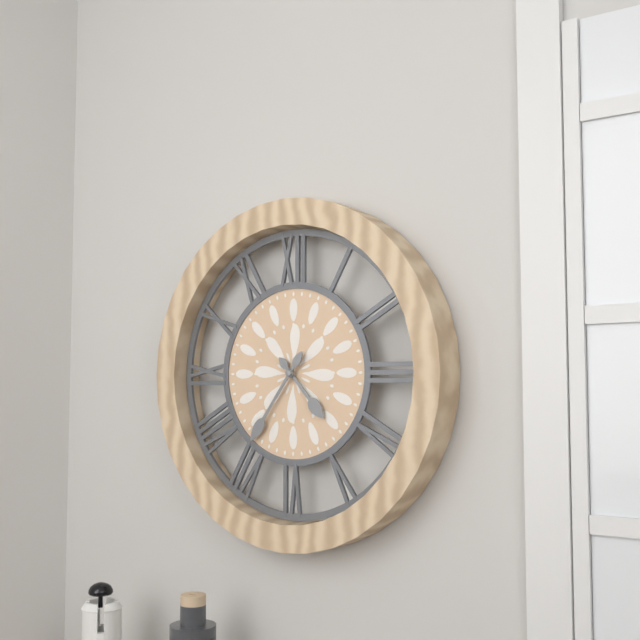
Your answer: 4 h 36 min
